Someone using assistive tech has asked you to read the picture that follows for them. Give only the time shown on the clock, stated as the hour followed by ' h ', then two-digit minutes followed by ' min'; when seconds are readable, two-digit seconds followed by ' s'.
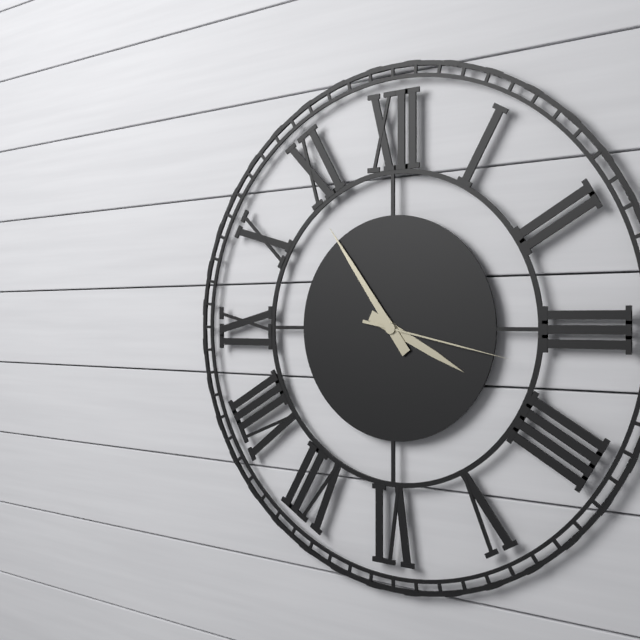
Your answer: 3 h 54 min 17 s
